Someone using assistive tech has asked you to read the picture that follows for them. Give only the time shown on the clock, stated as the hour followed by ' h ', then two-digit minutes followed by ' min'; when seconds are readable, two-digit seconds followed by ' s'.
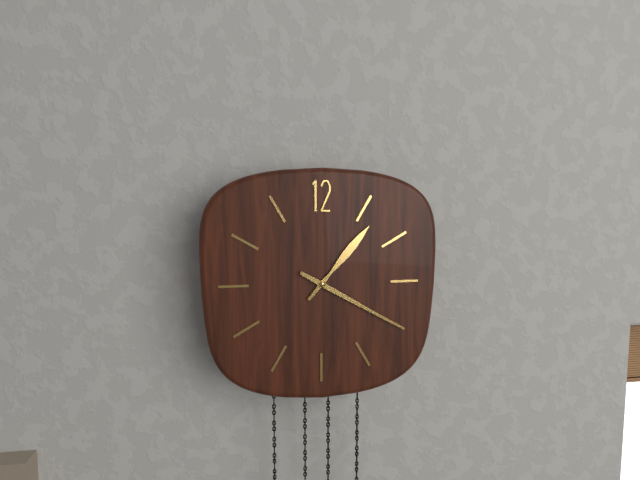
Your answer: 1 h 20 min
